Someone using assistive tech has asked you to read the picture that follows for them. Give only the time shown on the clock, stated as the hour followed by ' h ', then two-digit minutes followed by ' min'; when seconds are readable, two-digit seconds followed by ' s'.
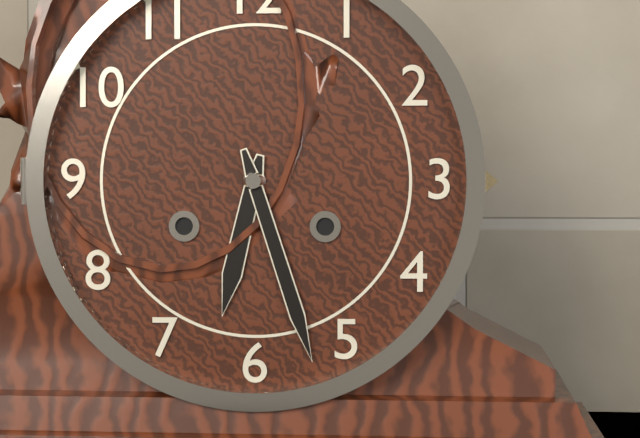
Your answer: 6 h 27 min
